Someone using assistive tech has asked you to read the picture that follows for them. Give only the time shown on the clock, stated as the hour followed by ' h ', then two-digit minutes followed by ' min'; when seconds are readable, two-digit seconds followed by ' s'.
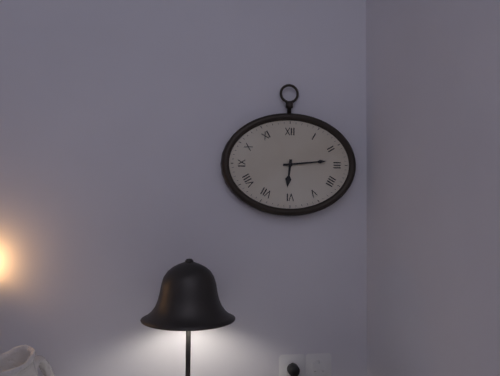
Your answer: 6 h 14 min
